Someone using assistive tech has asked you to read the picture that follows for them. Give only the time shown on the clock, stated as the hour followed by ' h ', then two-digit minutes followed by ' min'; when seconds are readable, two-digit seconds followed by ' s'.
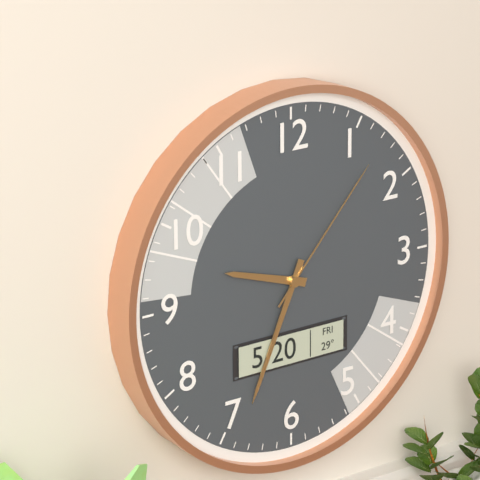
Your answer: 9 h 34 min 07 s
